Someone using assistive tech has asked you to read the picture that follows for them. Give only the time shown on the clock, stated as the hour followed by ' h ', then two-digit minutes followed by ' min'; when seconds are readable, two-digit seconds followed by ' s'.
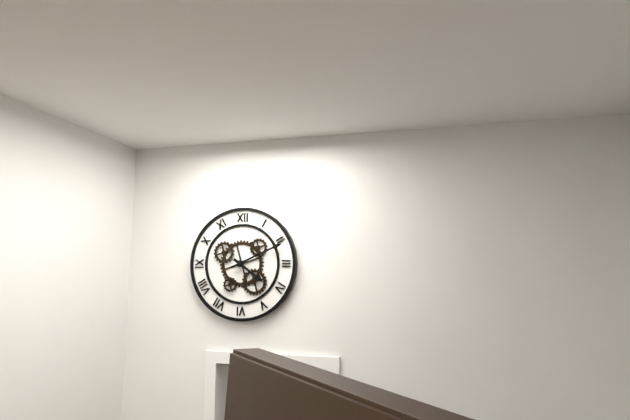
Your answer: 4 h 11 min
